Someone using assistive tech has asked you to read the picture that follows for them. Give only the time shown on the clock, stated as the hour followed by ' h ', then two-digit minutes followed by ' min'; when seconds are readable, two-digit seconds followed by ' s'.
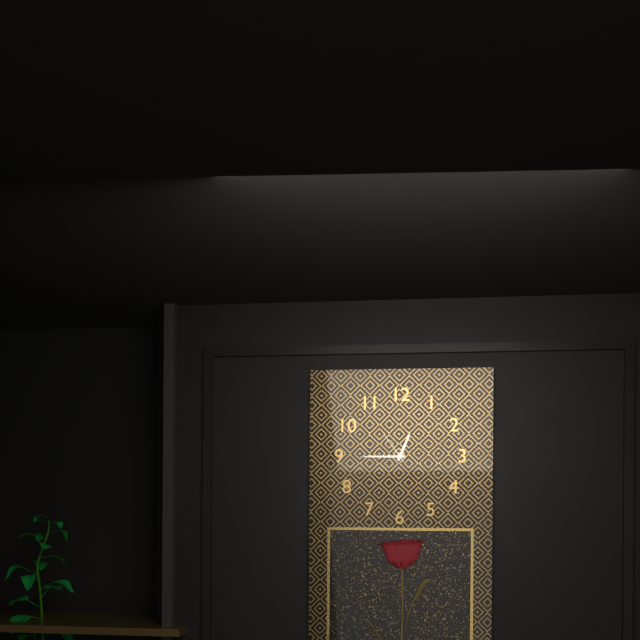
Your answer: 12 h 45 min
